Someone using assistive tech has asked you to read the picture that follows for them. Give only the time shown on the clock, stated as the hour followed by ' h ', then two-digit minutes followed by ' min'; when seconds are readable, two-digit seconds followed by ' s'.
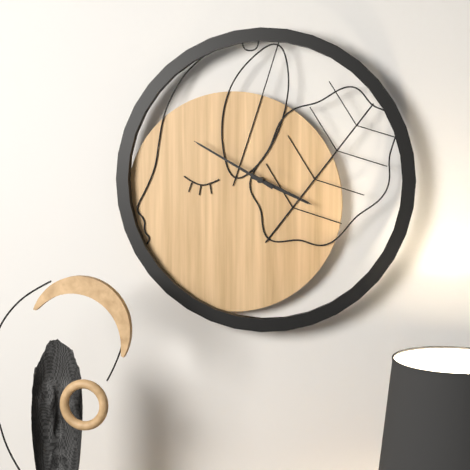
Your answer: 3 h 50 min
